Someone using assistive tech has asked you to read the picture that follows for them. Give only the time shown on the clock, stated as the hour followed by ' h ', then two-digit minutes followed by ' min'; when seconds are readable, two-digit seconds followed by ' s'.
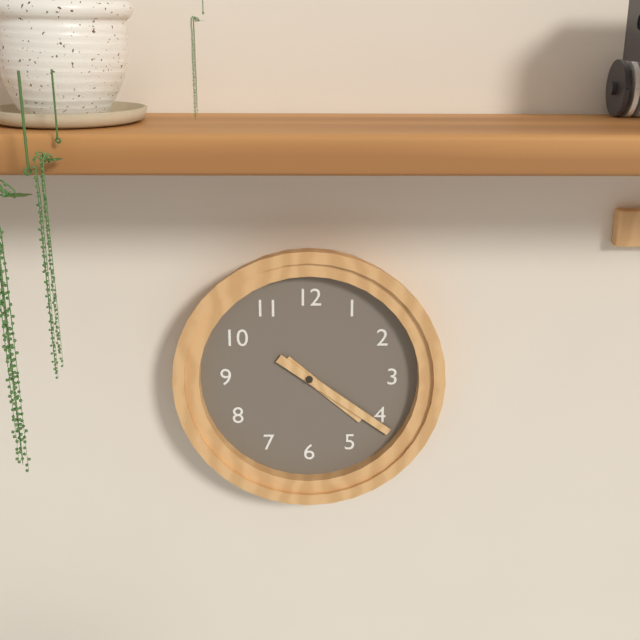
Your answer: 4 h 21 min
